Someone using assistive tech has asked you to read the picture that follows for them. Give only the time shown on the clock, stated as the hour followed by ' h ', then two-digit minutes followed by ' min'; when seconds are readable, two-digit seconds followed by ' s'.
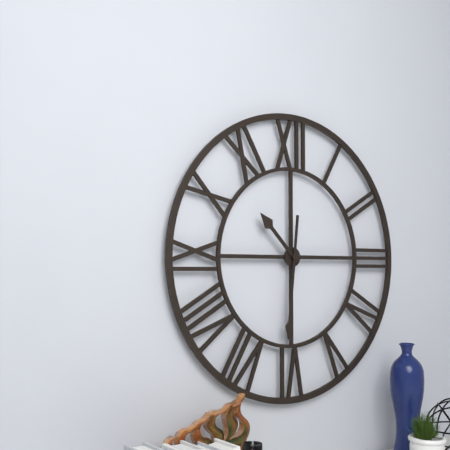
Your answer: 10 h 31 min
